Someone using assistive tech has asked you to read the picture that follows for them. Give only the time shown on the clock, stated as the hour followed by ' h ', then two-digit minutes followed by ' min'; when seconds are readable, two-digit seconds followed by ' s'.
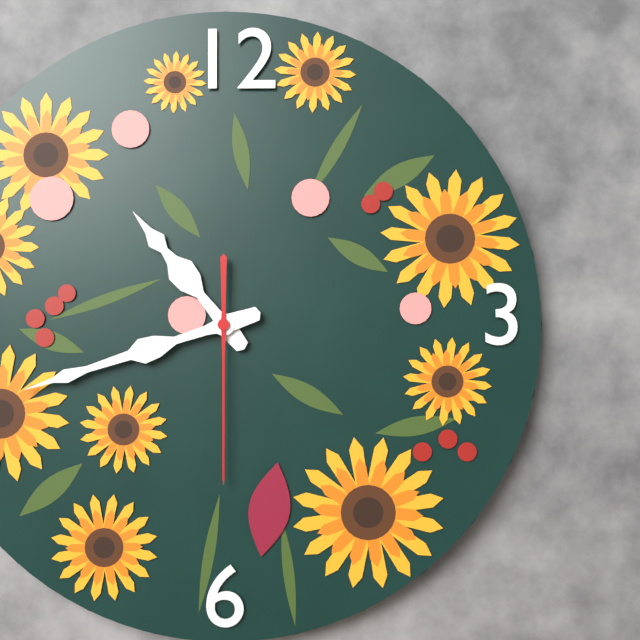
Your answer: 10 h 42 min 30 s
